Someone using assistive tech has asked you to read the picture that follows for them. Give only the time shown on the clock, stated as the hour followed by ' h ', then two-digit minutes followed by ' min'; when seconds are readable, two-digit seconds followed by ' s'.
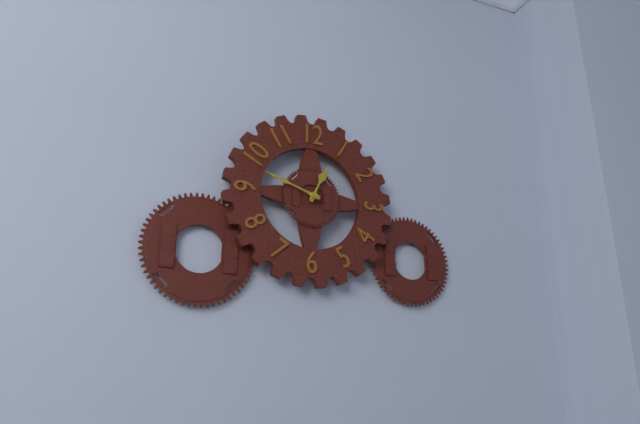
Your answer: 12 h 48 min
